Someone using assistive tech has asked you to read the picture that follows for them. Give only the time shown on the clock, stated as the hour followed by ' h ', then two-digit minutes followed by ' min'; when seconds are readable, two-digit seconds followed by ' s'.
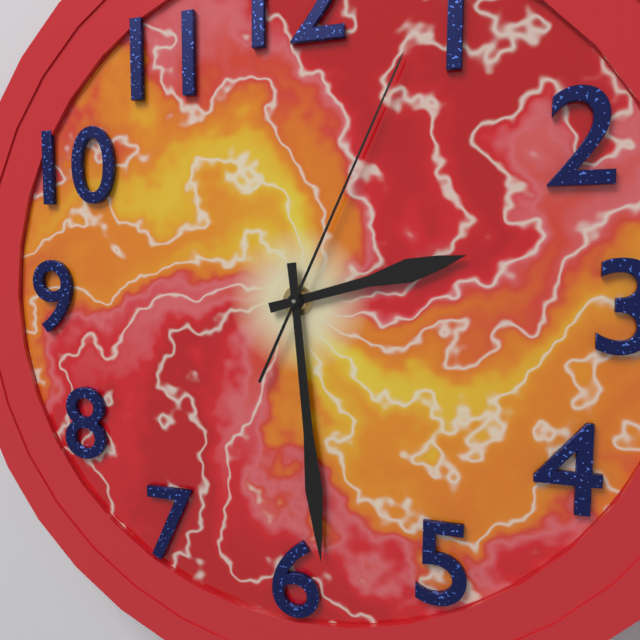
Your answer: 2 h 29 min 04 s
